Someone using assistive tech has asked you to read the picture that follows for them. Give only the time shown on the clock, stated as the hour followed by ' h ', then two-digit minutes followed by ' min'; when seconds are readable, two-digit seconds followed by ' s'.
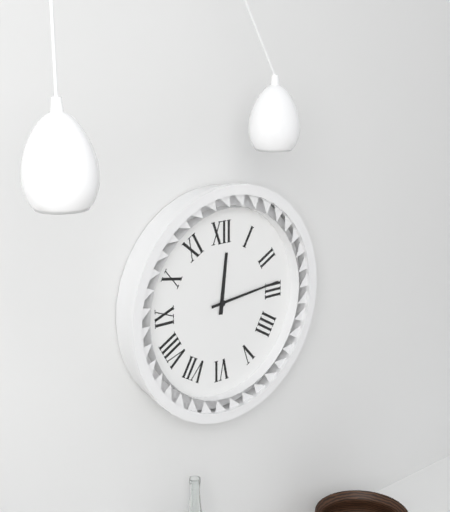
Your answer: 12 h 14 min
